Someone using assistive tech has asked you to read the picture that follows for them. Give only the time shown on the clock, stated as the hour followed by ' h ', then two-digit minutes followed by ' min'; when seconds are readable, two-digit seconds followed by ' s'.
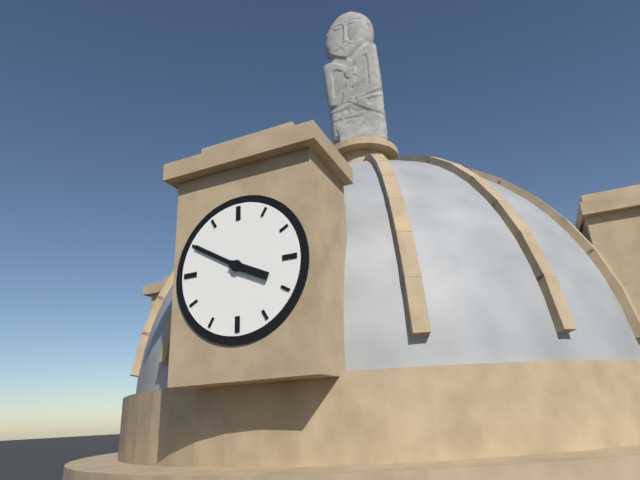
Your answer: 3 h 50 min
